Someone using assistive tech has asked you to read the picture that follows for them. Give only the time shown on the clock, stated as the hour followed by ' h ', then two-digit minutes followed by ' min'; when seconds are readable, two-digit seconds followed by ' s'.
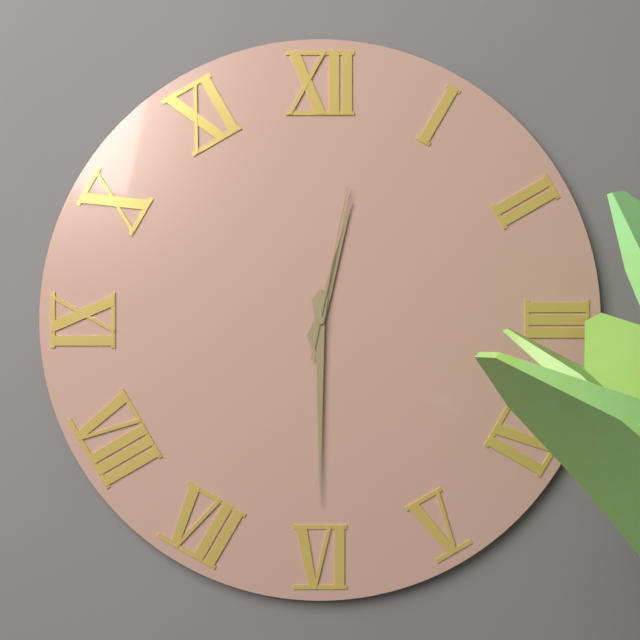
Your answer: 12 h 30 min 02 s
